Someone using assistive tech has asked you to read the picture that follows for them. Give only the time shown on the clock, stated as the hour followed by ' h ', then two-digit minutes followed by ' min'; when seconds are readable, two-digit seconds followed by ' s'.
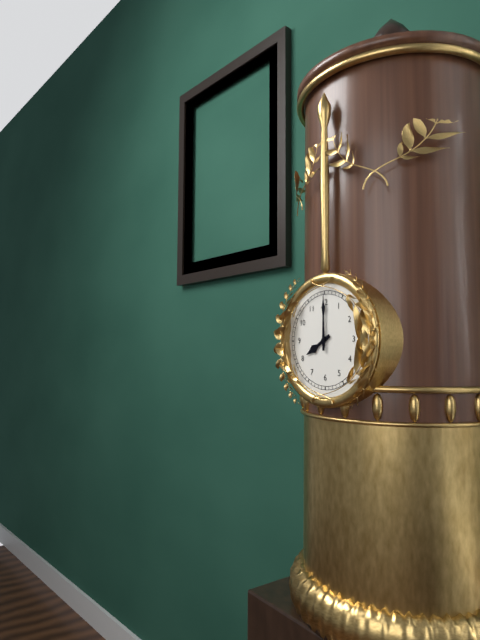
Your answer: 8 h 00 min
